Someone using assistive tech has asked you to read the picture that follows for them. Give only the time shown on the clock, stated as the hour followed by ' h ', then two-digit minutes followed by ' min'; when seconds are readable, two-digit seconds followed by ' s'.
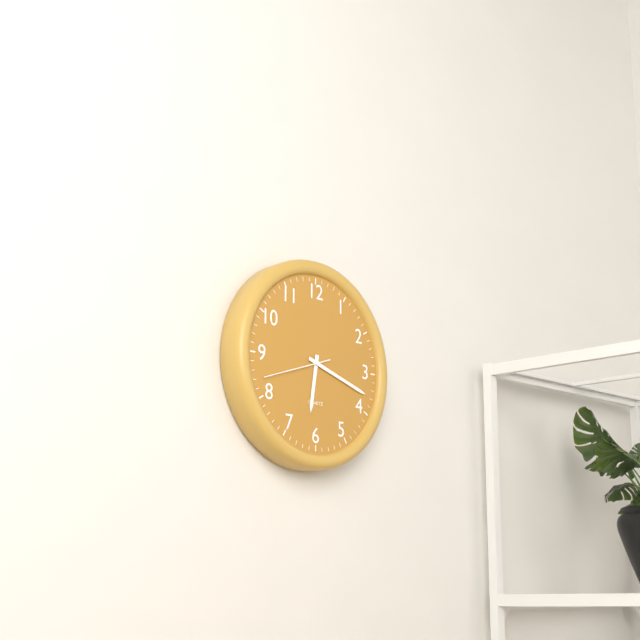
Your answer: 6 h 18 min 42 s
